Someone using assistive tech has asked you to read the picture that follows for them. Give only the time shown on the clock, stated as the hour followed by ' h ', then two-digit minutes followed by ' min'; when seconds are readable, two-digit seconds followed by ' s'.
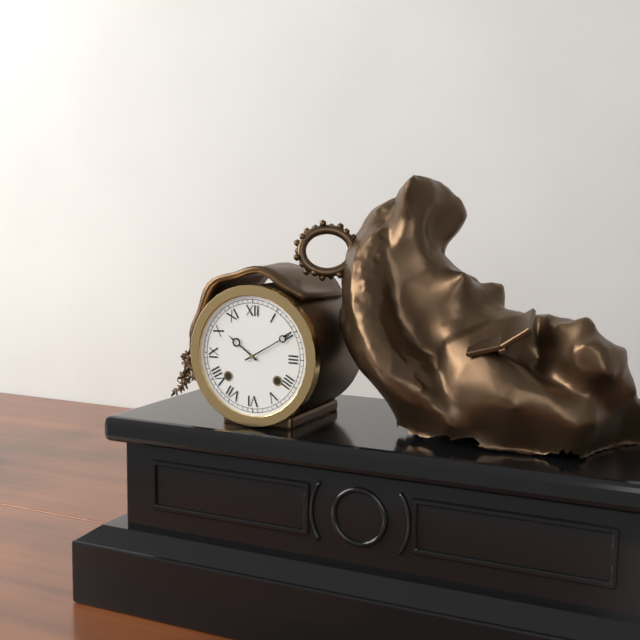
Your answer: 10 h 10 min
